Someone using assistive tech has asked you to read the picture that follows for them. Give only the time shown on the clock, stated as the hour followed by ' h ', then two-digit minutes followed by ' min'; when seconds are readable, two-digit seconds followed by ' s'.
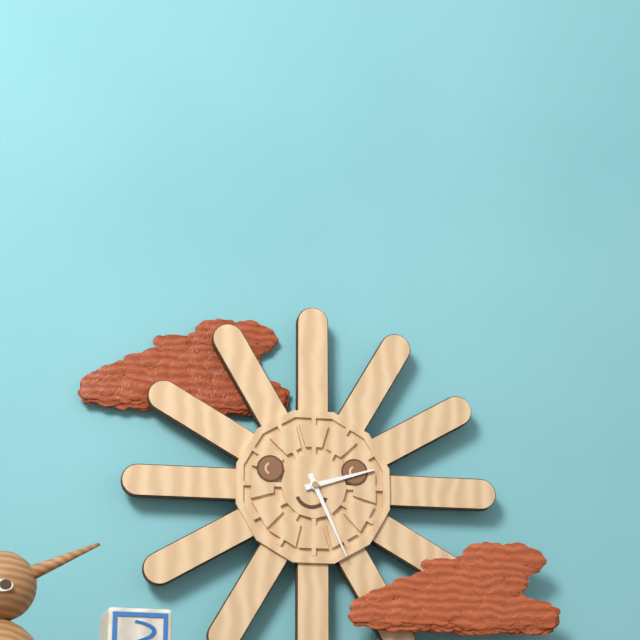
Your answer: 2 h 26 min
